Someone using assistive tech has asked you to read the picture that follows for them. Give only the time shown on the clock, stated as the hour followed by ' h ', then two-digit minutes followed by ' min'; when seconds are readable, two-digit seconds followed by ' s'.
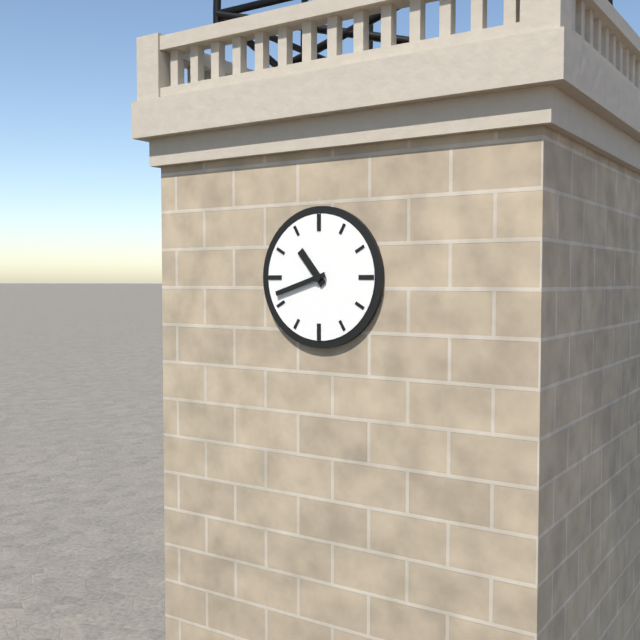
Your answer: 10 h 42 min
